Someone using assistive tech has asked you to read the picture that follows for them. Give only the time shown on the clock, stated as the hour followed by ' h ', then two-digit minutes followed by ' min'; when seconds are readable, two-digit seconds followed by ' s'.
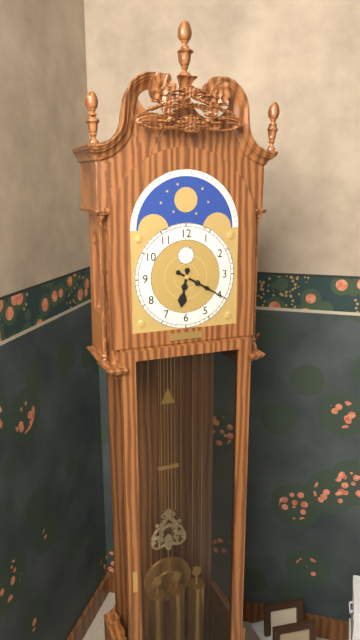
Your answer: 6 h 20 min
